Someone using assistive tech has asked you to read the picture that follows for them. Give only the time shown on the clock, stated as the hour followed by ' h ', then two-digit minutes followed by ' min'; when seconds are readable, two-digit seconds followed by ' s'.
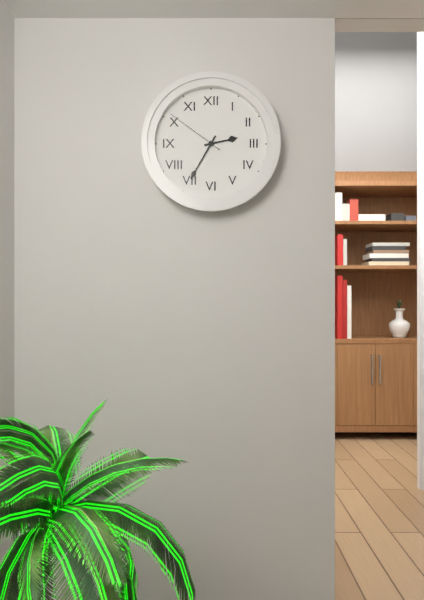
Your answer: 2 h 35 min 51 s
